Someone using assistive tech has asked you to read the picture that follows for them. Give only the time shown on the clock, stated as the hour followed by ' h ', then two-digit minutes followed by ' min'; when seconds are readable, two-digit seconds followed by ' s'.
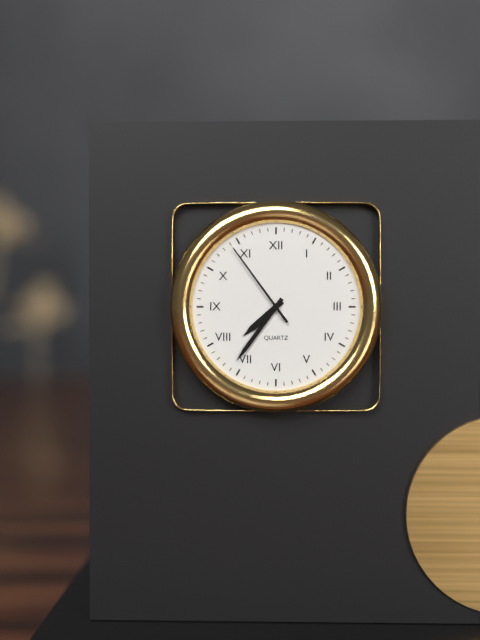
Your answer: 7 h 36 min 54 s
